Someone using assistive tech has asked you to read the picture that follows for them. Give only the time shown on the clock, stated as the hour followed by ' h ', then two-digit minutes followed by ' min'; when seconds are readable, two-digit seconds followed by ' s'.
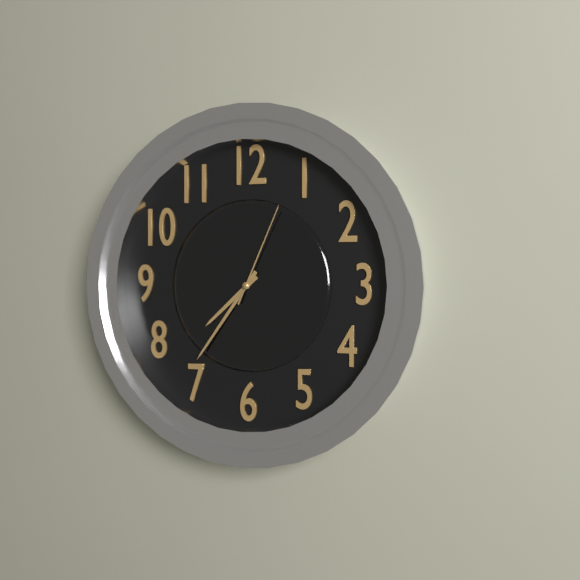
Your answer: 7 h 36 min 04 s
